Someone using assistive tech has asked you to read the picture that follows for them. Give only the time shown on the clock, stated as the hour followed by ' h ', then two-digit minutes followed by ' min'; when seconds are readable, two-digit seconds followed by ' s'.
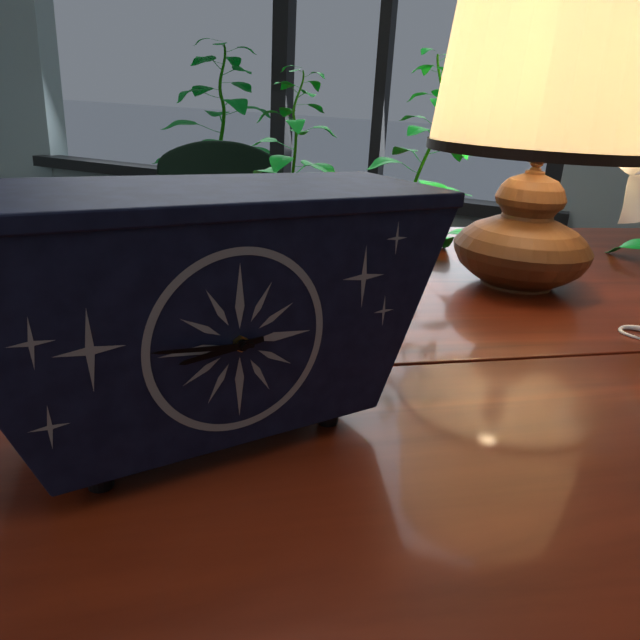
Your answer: 8 h 46 min
